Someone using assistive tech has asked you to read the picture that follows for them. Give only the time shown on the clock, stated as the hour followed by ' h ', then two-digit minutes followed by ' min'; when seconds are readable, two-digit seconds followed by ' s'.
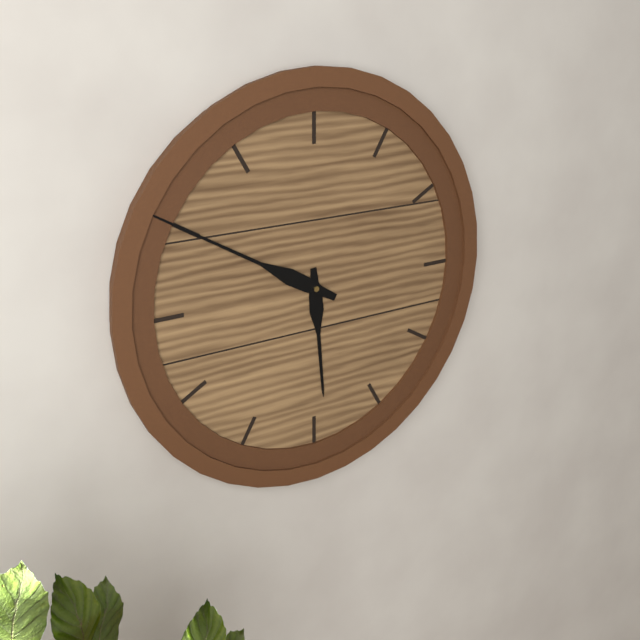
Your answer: 5 h 50 min
